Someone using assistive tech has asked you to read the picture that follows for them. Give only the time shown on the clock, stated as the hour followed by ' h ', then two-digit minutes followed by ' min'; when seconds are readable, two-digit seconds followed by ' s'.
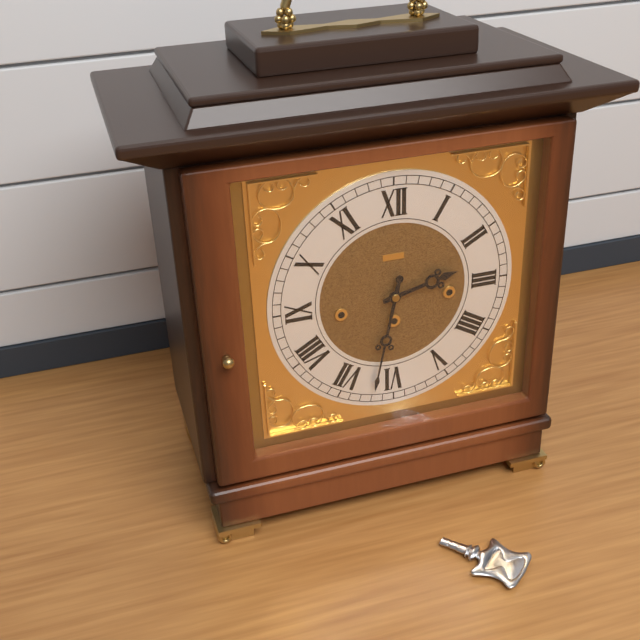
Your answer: 2 h 32 min
